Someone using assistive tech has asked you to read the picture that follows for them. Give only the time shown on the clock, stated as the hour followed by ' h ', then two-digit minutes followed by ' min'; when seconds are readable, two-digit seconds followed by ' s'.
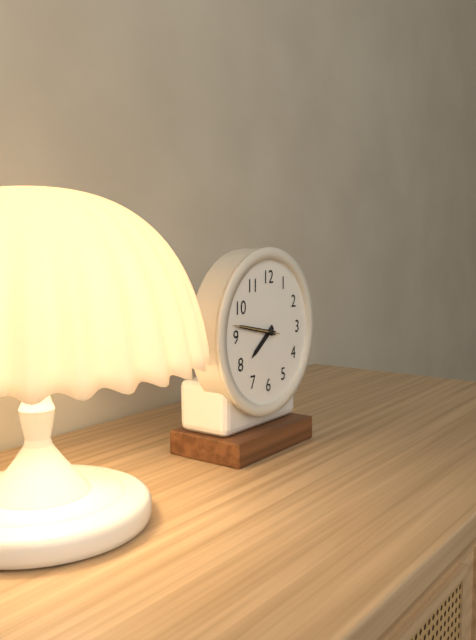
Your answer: 7 h 47 min
